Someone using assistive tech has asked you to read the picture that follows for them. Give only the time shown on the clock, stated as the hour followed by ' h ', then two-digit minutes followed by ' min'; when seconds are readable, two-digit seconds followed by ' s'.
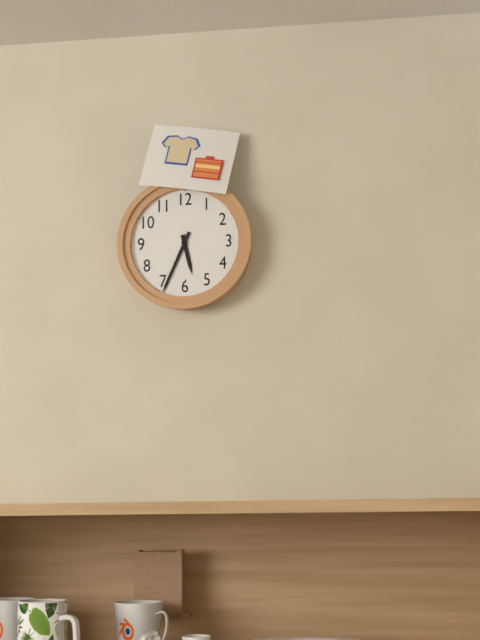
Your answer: 5 h 34 min
